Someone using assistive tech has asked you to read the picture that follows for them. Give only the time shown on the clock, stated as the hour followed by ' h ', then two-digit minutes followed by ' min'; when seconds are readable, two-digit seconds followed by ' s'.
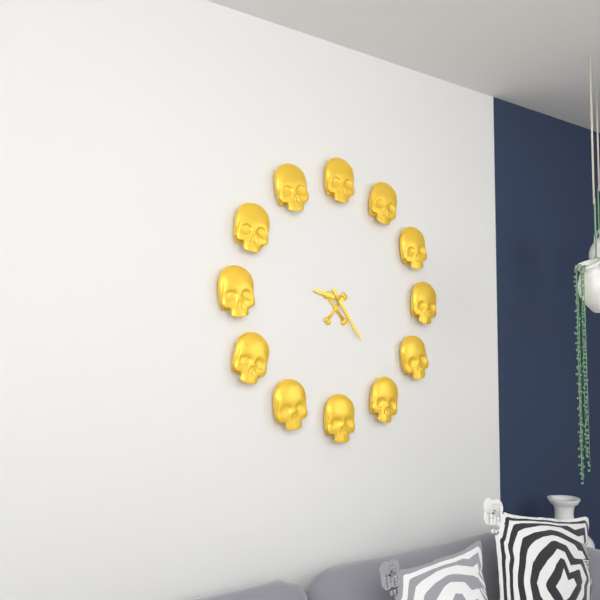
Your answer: 9 h 24 min
